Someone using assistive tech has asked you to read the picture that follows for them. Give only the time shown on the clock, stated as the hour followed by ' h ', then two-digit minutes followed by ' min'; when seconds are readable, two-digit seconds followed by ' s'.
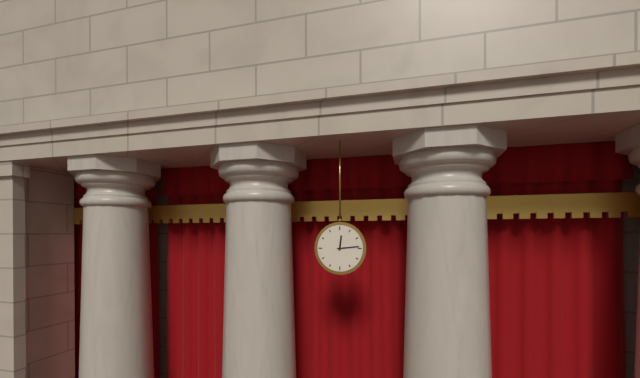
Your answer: 12 h 14 min
